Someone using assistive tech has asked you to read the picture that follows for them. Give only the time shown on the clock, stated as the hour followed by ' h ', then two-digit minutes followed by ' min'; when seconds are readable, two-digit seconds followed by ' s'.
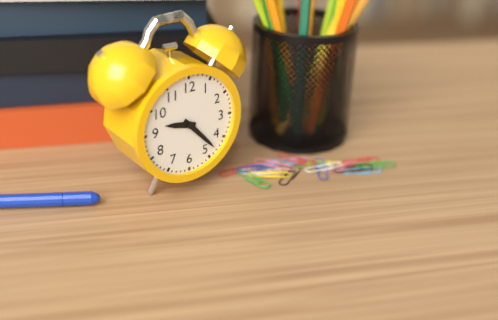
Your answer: 9 h 23 min
